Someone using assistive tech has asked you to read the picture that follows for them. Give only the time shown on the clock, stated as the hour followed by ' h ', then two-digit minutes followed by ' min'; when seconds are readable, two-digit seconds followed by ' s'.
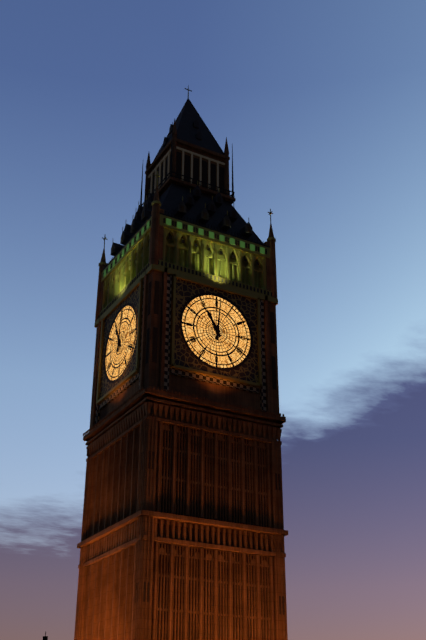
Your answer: 11 h 01 min
